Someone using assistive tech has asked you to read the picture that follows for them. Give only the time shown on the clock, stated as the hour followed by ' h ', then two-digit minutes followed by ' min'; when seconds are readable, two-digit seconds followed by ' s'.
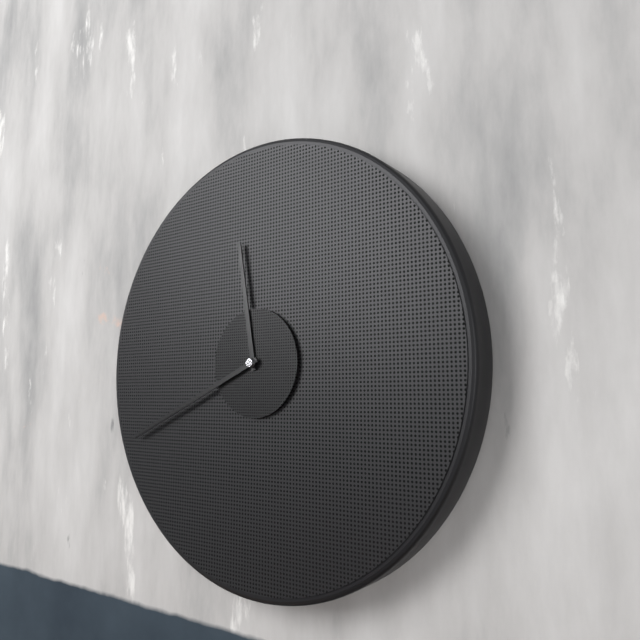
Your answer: 11 h 41 min
